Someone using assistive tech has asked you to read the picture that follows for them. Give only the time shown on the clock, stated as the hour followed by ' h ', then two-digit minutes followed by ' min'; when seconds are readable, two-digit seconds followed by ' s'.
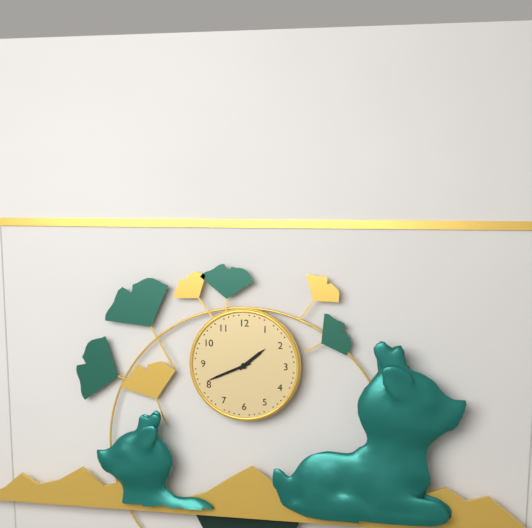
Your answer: 1 h 41 min
